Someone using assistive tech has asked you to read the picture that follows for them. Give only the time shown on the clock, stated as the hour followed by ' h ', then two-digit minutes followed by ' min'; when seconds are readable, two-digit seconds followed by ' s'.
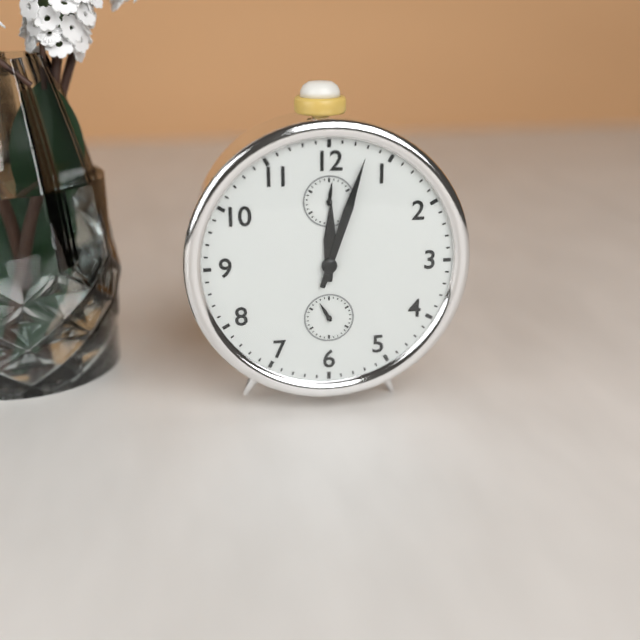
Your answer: 12 h 03 min
